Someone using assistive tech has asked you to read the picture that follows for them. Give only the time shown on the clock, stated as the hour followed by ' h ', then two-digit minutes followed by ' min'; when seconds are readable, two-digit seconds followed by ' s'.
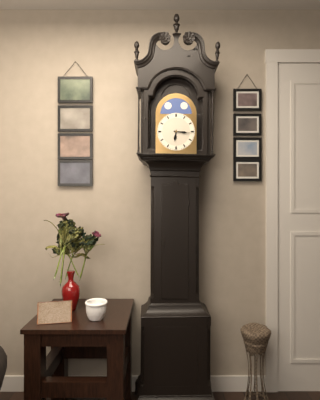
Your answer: 6 h 16 min
